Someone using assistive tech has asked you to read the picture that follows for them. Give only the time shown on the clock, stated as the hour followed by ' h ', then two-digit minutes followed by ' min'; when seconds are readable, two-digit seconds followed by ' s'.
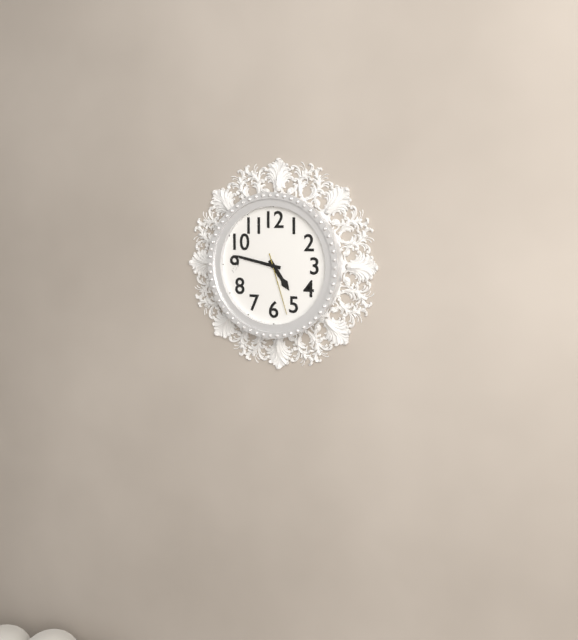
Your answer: 4 h 47 min 27 s
